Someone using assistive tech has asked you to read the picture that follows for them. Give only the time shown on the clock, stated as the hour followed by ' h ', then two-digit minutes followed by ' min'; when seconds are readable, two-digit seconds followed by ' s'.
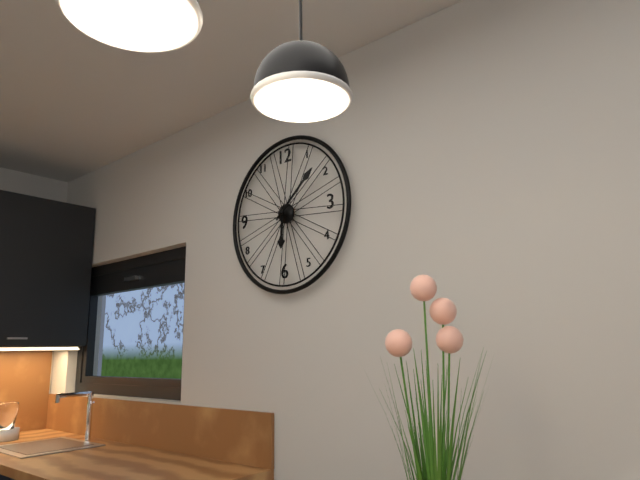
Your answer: 6 h 08 min
